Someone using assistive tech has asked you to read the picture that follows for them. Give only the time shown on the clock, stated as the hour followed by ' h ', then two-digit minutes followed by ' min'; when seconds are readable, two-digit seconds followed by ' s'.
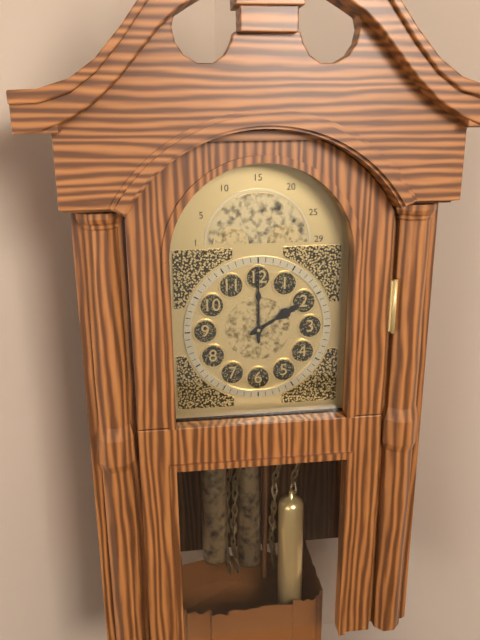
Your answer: 2 h 00 min
